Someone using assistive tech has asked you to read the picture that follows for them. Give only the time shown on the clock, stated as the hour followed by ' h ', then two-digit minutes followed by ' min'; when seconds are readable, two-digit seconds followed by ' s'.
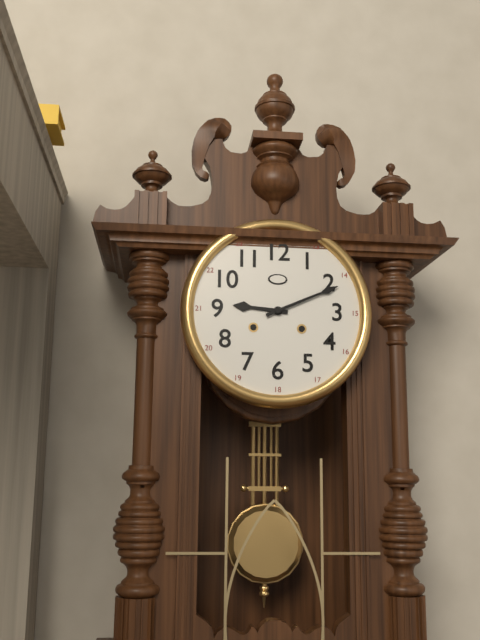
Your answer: 9 h 11 min
